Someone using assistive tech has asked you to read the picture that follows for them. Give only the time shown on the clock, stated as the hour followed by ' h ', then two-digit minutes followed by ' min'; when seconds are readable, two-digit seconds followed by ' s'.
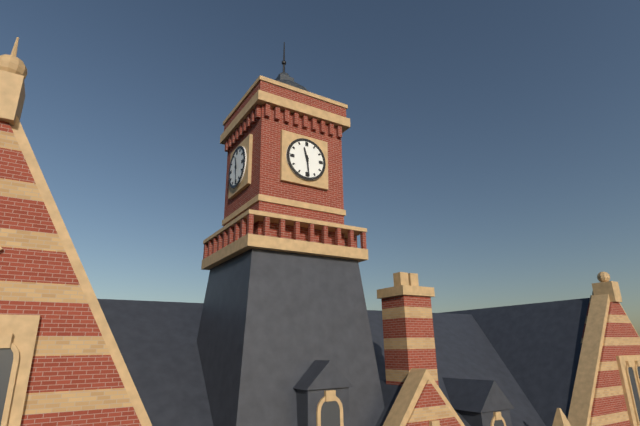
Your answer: 11 h 29 min
